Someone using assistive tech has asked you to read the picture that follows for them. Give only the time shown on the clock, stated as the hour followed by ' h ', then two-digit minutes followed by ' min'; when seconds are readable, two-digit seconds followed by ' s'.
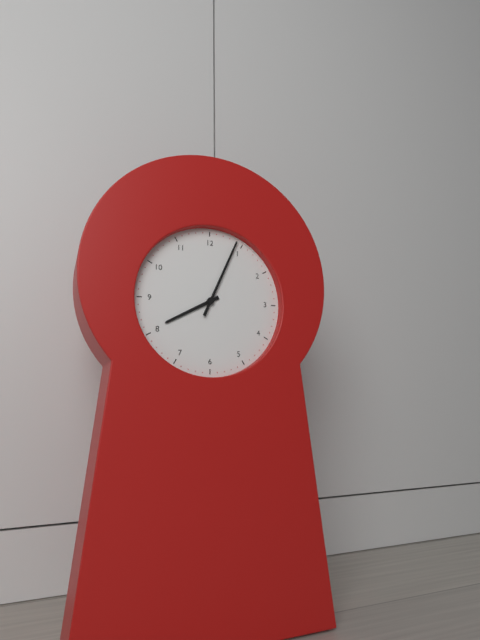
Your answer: 8 h 04 min
